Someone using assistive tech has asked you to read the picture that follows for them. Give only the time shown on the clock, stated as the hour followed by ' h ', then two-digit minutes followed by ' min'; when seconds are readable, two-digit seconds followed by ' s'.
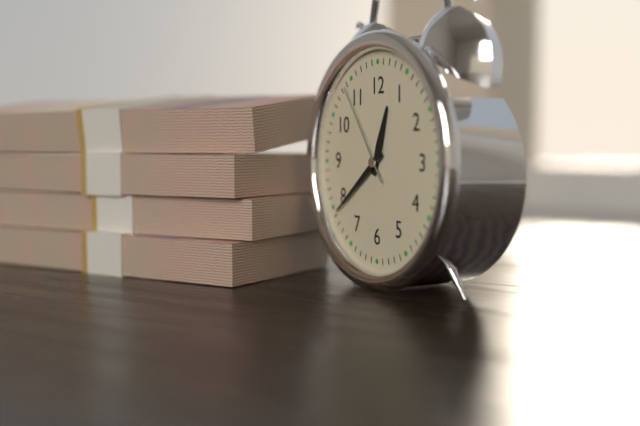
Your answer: 12 h 39 min 54 s
